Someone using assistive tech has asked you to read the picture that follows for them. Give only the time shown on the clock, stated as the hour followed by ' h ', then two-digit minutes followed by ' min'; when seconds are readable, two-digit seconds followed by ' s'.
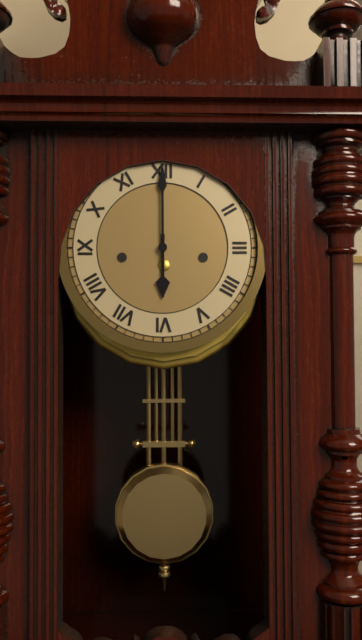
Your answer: 6 h 00 min
